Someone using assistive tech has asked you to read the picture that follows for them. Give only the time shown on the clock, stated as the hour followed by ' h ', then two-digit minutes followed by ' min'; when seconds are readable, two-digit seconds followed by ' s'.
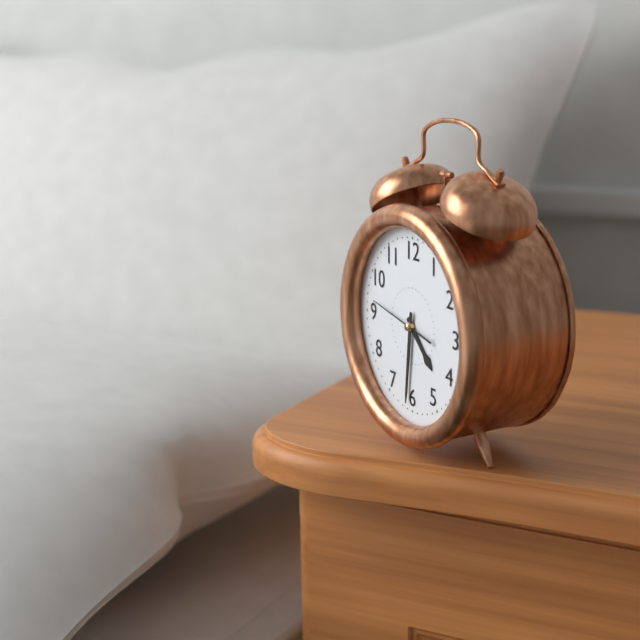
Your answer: 4 h 31 min 47 s
